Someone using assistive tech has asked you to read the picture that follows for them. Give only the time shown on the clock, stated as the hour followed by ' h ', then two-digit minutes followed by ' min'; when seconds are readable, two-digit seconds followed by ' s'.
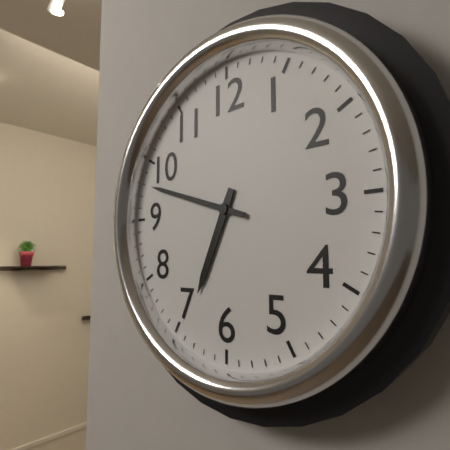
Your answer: 6 h 48 min
